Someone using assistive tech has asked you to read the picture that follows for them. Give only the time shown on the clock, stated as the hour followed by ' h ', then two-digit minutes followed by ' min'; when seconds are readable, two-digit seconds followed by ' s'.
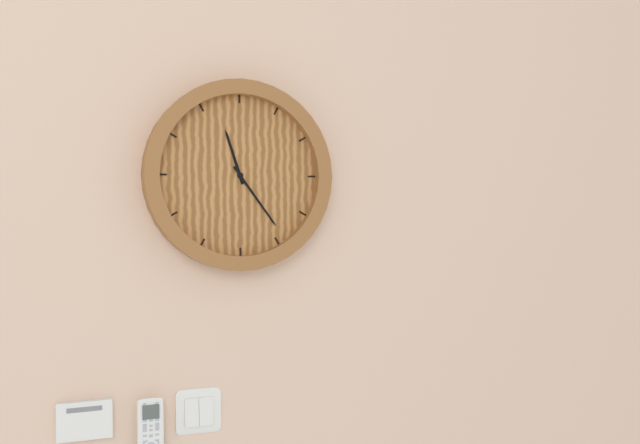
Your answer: 11 h 24 min
